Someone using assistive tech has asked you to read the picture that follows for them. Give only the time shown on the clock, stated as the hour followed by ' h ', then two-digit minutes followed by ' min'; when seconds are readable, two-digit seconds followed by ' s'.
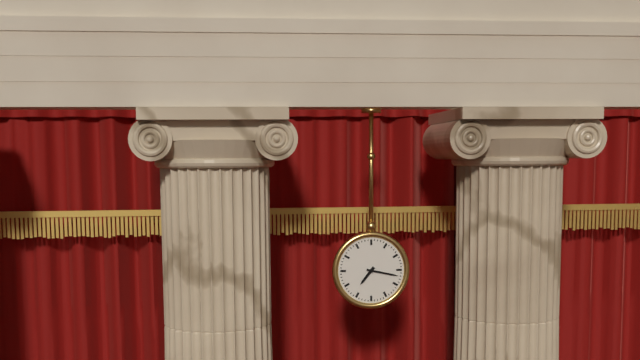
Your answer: 7 h 17 min
